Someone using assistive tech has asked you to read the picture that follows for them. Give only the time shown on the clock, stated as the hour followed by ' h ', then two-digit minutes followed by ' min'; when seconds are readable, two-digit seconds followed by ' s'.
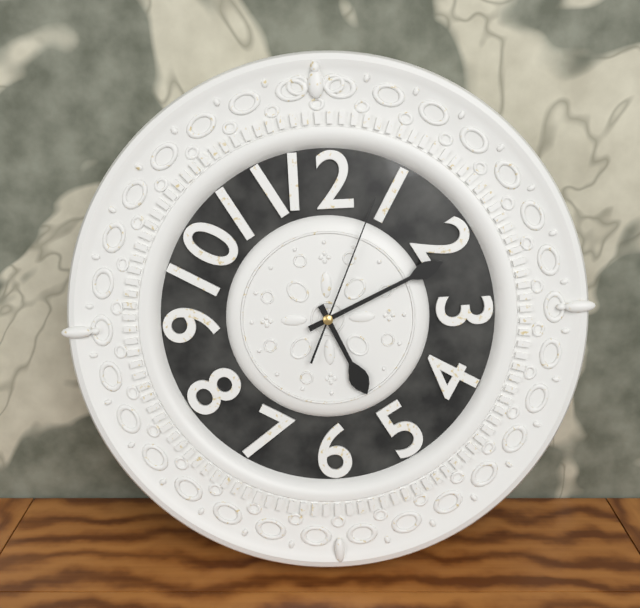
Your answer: 5 h 11 min 04 s
